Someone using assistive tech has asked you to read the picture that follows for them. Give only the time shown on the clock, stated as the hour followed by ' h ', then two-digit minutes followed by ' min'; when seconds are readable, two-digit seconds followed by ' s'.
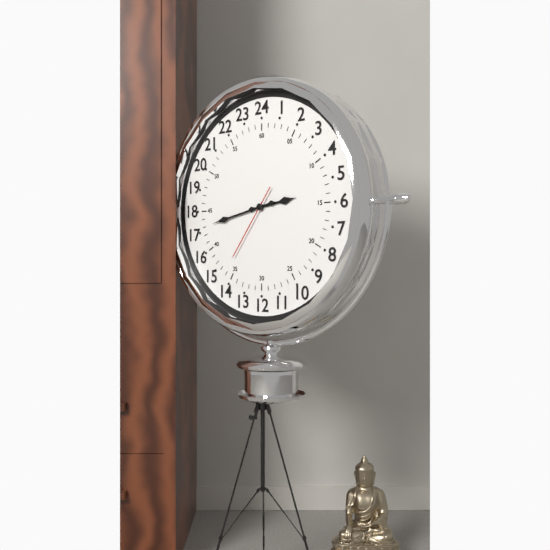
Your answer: 2 h 43 min 36 s
